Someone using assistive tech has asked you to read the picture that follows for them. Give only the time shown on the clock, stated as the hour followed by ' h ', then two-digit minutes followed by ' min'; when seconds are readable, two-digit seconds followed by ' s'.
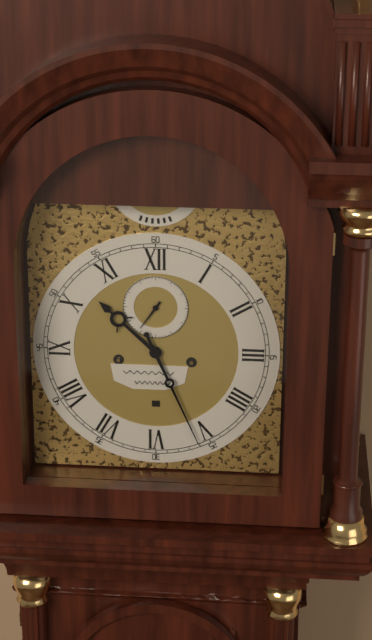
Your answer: 10 h 26 min
